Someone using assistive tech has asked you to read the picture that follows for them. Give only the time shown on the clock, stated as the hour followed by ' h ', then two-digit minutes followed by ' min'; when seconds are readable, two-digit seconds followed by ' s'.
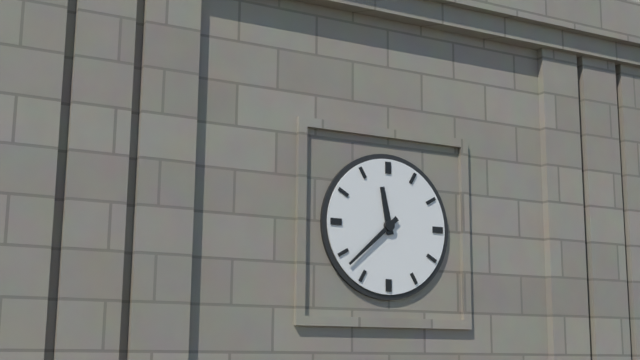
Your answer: 11 h 38 min
